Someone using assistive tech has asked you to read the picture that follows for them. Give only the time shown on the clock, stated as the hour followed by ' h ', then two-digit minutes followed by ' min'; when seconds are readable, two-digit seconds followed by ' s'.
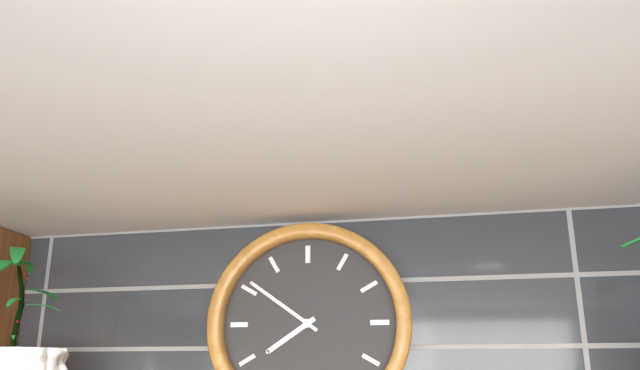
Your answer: 7 h 51 min
